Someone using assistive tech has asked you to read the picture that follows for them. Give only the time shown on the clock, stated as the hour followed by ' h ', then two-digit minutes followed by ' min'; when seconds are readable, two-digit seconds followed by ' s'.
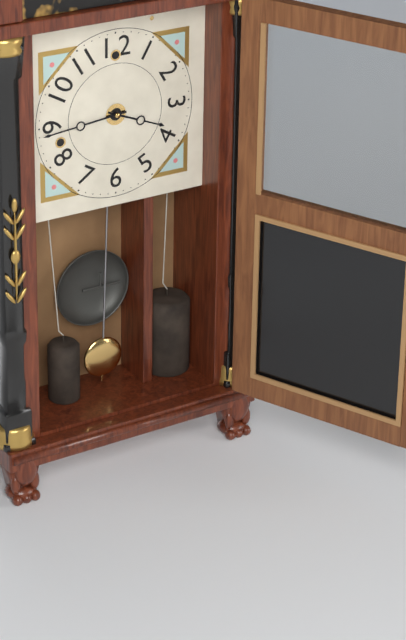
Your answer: 3 h 44 min
